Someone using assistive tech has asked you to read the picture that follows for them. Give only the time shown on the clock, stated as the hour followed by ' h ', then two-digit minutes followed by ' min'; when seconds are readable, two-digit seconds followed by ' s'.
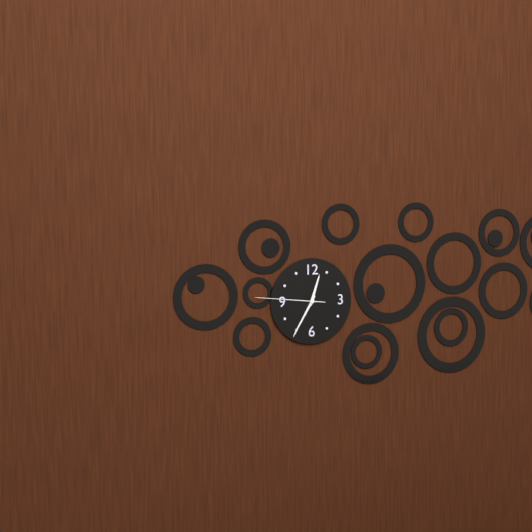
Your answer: 12 h 35 min 46 s
